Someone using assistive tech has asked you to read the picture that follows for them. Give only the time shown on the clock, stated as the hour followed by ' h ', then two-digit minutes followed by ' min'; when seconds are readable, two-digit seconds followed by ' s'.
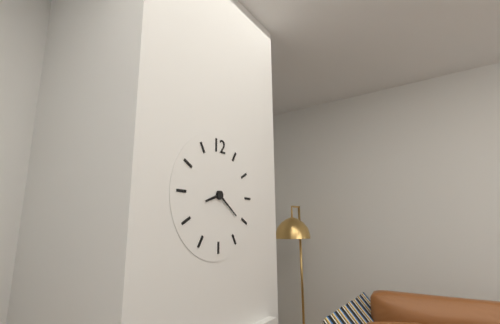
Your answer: 8 h 21 min
